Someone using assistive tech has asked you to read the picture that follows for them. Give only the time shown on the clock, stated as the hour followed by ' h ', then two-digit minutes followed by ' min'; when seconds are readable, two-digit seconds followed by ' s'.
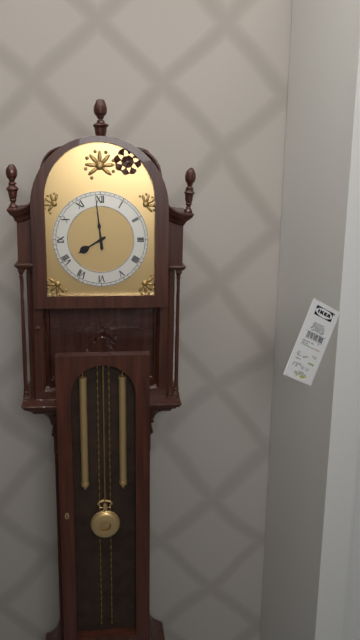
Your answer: 7 h 59 min
